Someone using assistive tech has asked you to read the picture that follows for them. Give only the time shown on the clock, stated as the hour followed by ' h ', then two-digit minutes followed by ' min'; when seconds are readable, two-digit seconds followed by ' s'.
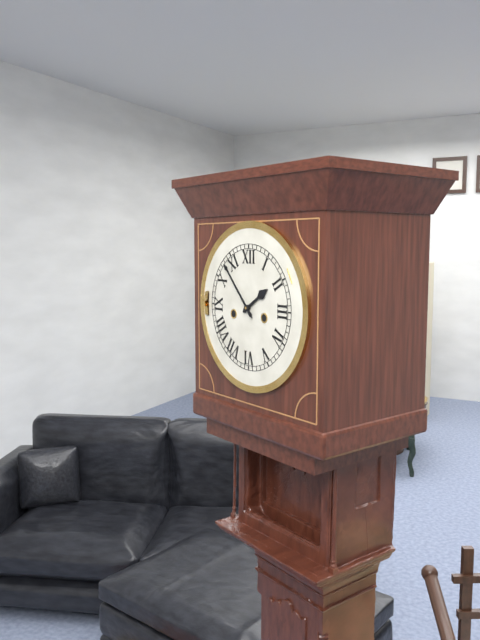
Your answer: 1 h 53 min
